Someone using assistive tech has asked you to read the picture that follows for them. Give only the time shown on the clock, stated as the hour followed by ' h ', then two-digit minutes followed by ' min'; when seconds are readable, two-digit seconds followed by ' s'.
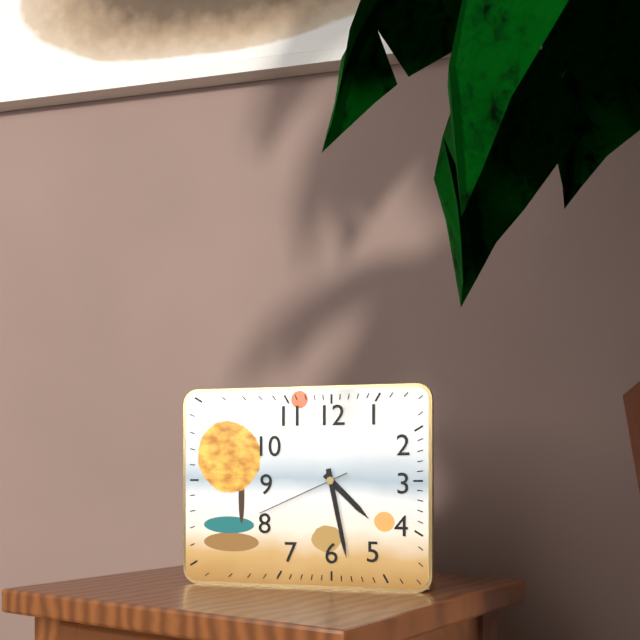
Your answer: 4 h 28 min 41 s
